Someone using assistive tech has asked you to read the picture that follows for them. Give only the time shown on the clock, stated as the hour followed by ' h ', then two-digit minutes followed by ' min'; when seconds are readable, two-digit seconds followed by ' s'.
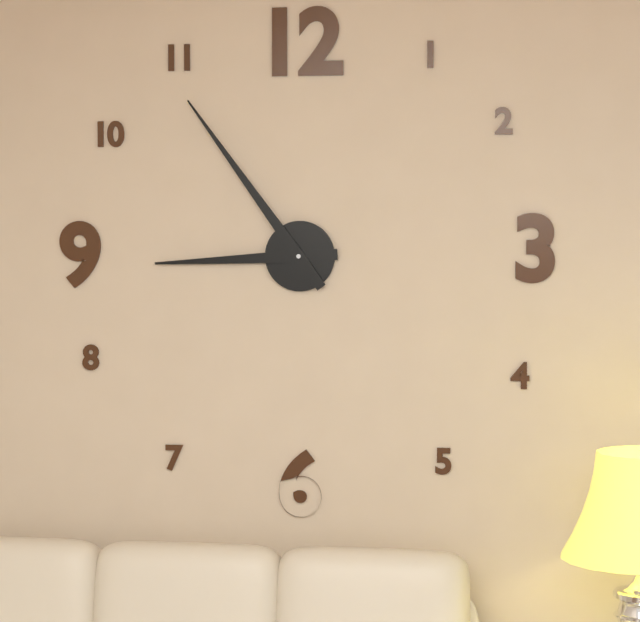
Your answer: 8 h 54 min
